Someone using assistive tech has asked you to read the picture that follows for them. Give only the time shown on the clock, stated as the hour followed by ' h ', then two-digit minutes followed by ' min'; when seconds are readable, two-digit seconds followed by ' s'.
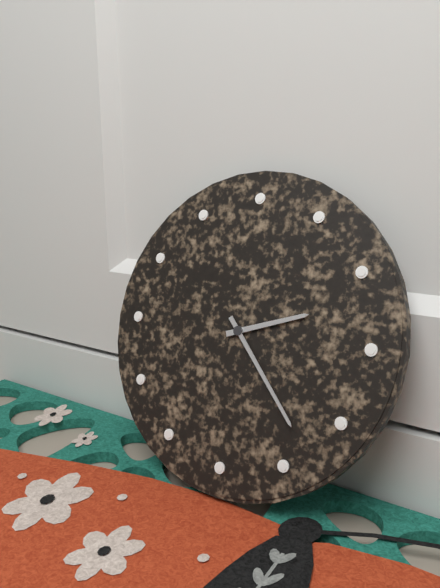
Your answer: 2 h 23 min
